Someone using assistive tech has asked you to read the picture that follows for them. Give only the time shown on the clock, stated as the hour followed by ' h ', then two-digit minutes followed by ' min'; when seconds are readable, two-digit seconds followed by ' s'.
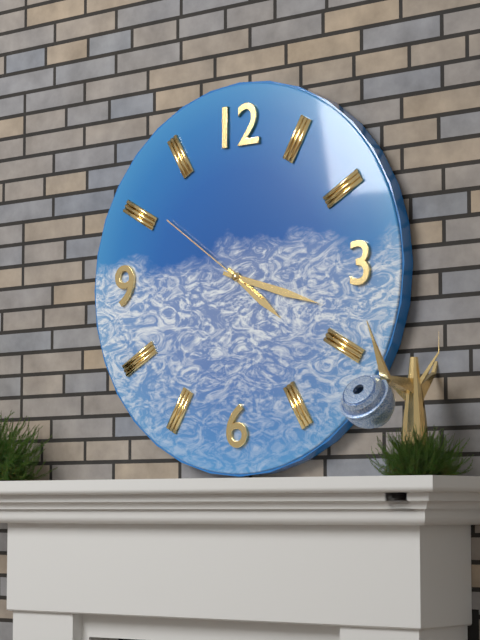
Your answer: 4 h 18 min 51 s
